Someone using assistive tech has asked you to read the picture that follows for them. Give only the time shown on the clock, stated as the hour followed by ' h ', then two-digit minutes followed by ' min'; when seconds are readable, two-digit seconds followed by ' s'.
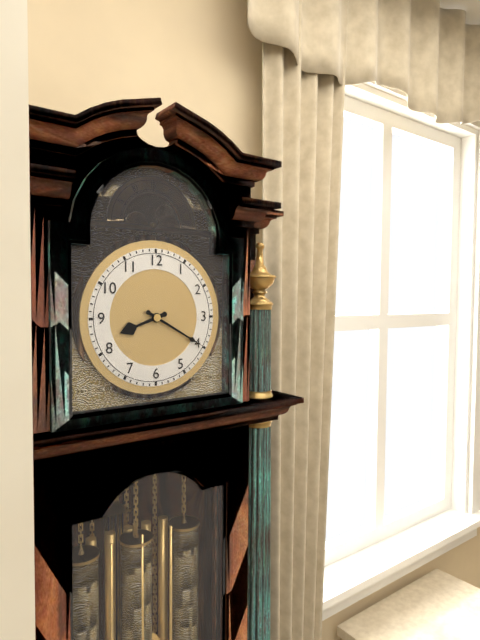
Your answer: 8 h 20 min
